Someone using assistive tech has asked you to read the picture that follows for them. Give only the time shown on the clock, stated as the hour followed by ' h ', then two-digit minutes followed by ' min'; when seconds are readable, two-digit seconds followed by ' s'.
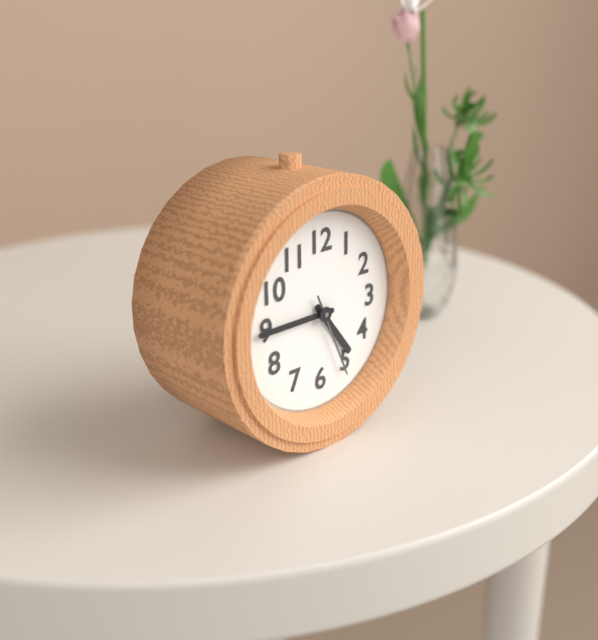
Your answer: 4 h 45 min 26 s
